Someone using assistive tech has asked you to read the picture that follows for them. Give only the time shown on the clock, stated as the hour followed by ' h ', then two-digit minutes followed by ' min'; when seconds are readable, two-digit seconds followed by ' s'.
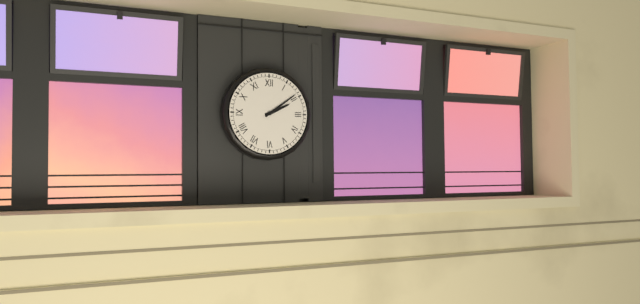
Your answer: 2 h 09 min
